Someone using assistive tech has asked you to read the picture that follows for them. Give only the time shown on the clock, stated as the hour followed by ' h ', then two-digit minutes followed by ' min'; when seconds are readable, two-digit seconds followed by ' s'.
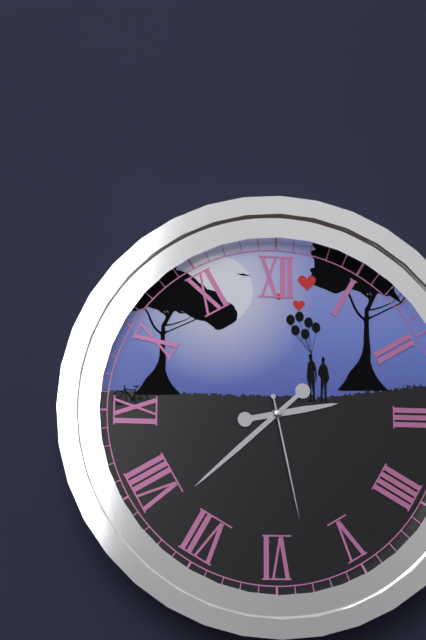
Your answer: 2 h 38 min 28 s
